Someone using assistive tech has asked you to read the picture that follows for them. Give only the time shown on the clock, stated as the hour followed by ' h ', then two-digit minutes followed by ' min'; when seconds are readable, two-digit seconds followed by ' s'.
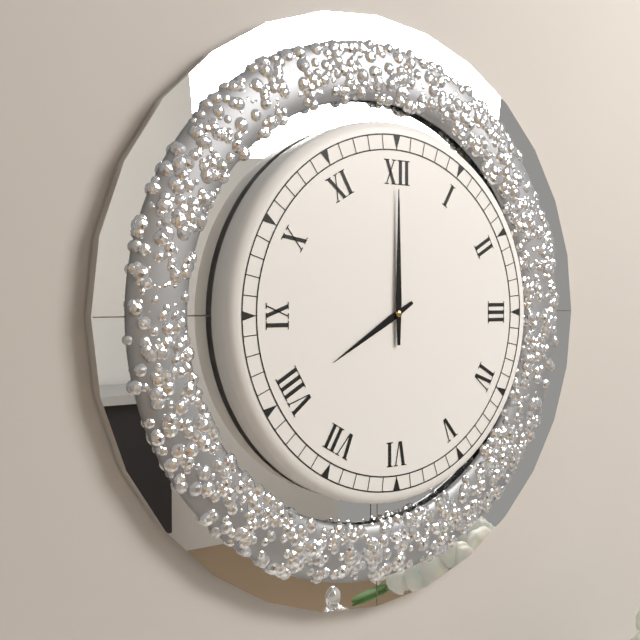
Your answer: 8 h 00 min
